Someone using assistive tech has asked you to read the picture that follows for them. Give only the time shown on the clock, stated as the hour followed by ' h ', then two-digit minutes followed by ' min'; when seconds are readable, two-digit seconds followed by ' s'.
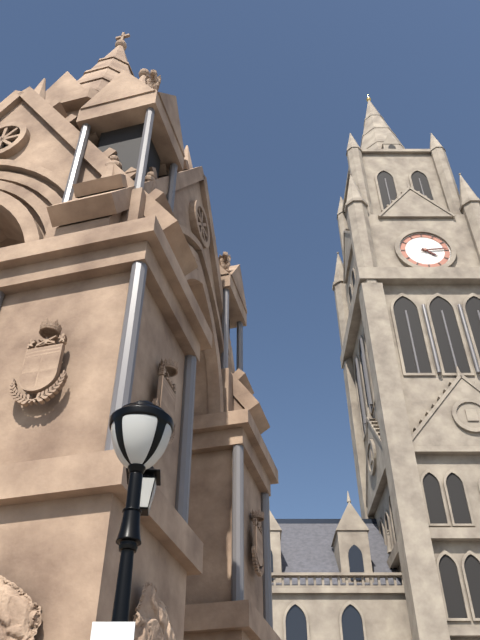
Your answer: 4 h 14 min
